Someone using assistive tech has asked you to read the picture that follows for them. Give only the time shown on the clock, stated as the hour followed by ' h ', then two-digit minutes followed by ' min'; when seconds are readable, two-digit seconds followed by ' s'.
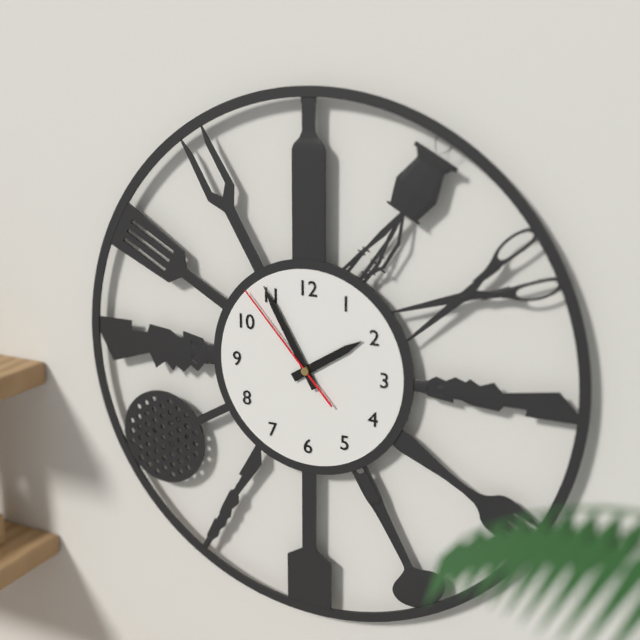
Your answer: 1 h 55 min 53 s
